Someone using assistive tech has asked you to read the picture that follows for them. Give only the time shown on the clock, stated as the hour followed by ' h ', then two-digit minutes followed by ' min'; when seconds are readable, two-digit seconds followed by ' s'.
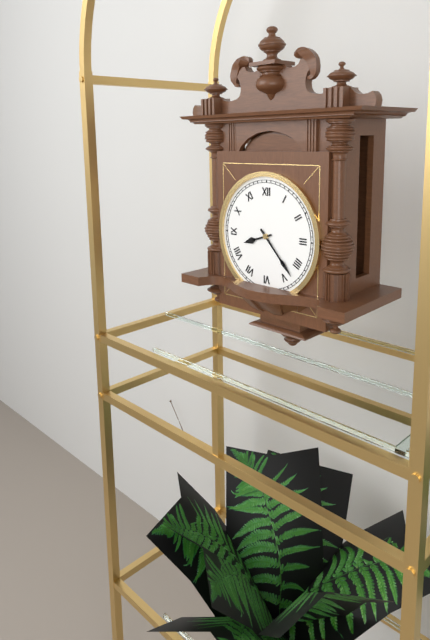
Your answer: 8 h 23 min
